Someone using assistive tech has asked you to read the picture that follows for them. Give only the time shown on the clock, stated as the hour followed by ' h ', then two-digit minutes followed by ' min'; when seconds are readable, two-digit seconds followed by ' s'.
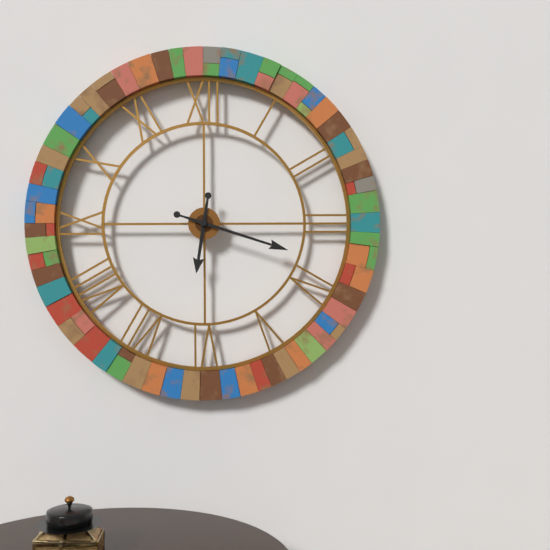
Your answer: 6 h 18 min
